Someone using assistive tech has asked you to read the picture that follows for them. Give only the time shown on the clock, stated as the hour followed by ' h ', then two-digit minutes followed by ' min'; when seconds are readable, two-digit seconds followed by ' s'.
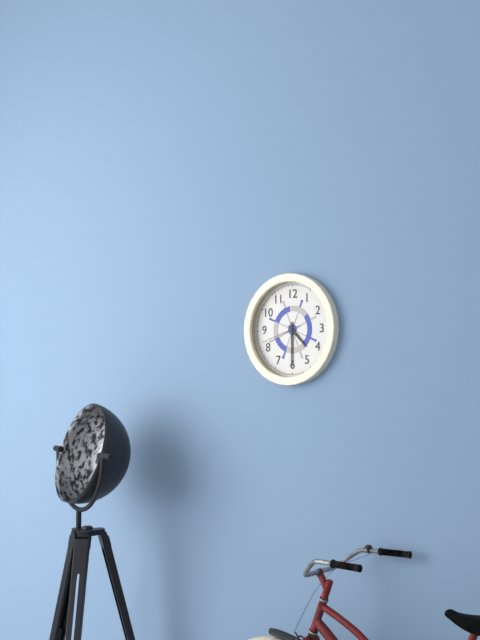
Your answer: 4 h 30 min
